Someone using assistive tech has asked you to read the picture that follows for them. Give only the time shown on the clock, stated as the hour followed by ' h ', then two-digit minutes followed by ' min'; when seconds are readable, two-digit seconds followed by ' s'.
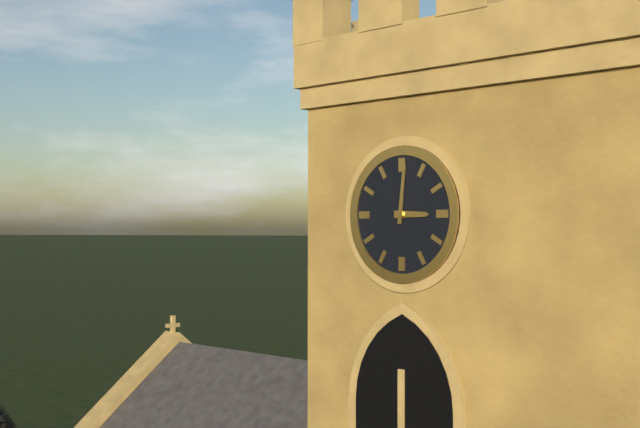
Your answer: 3 h 01 min
